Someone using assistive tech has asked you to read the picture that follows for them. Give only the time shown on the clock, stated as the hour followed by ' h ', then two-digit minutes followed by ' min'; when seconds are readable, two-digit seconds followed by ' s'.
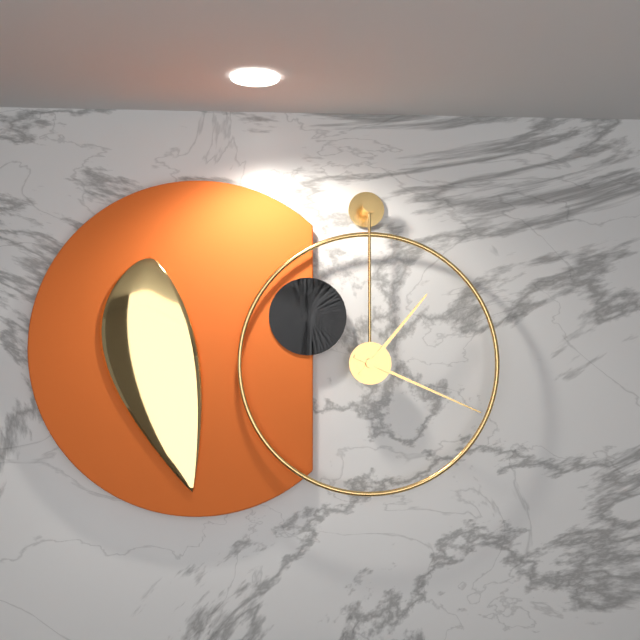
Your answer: 1 h 19 min
